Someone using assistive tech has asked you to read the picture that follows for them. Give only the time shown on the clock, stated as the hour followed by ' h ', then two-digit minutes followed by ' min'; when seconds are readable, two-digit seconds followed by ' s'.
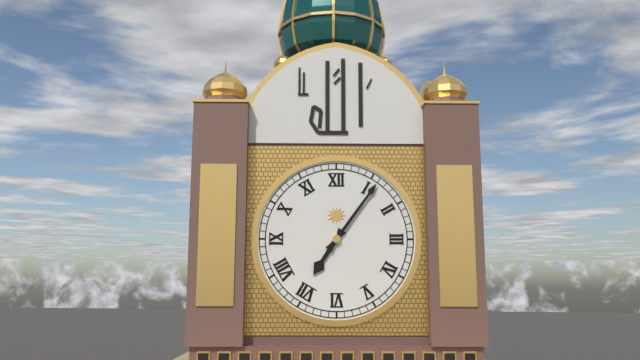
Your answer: 7 h 06 min
